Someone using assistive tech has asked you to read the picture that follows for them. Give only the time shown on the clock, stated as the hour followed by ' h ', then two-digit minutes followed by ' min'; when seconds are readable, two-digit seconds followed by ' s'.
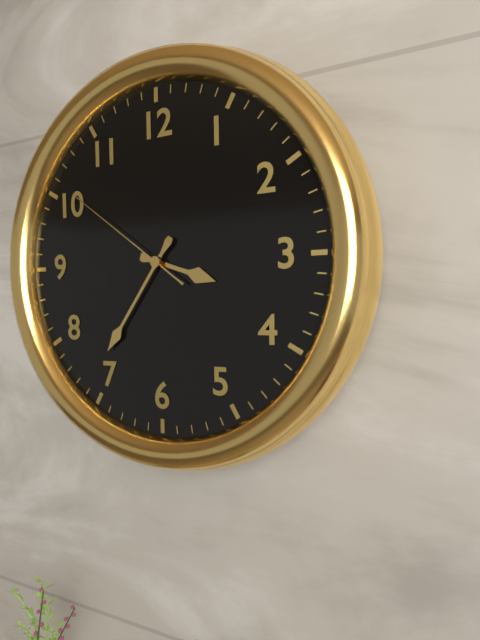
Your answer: 3 h 36 min 51 s
